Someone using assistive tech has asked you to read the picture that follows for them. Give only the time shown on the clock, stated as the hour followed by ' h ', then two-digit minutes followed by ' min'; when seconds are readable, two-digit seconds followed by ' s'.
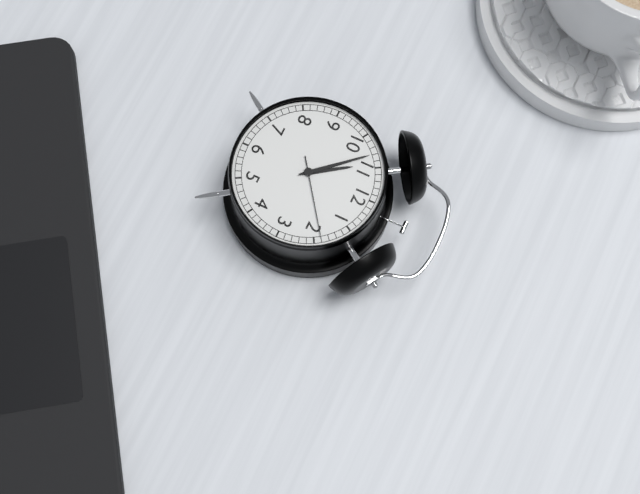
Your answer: 10 h 53 min 09 s
